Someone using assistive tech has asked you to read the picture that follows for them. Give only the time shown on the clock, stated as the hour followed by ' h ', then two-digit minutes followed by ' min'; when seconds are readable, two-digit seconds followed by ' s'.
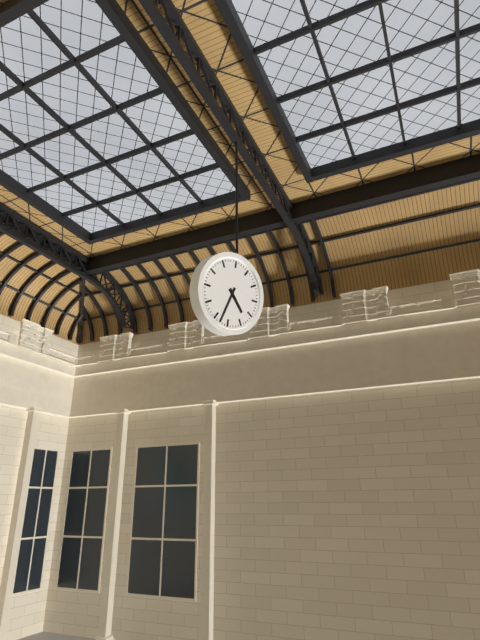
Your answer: 4 h 33 min
